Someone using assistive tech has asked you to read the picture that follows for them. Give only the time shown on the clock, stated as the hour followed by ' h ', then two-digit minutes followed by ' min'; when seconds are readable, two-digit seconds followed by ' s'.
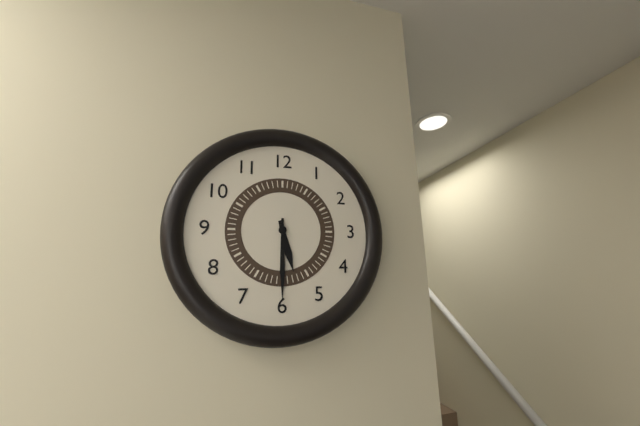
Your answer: 5 h 30 min
